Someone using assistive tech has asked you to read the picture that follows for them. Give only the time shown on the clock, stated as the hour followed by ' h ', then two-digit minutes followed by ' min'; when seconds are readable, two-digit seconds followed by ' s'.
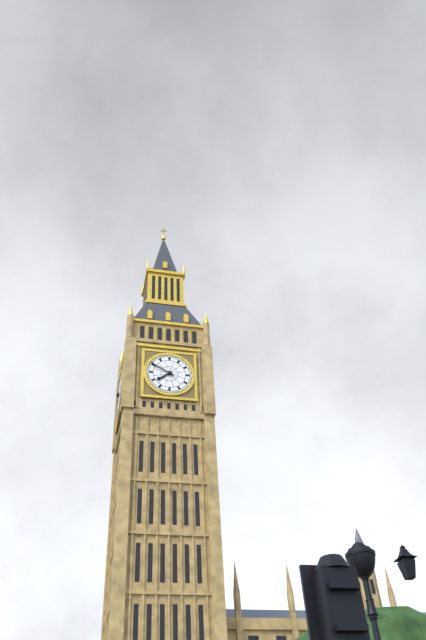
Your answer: 7 h 50 min
